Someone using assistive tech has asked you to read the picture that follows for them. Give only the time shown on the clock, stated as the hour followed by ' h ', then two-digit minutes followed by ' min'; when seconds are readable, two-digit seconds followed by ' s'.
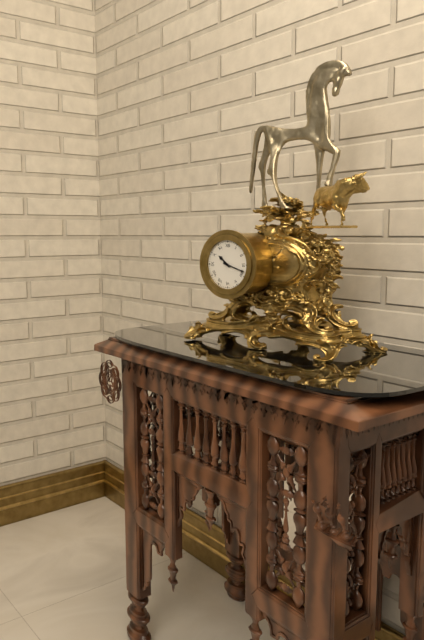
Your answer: 10 h 18 min
